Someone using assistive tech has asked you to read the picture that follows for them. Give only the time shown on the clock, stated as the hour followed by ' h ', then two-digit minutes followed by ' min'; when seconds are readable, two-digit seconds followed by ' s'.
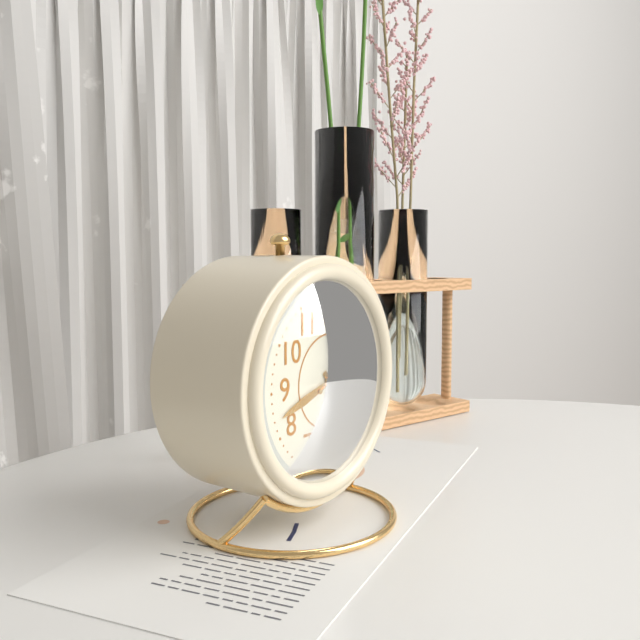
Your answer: 4 h 42 min 11 s
